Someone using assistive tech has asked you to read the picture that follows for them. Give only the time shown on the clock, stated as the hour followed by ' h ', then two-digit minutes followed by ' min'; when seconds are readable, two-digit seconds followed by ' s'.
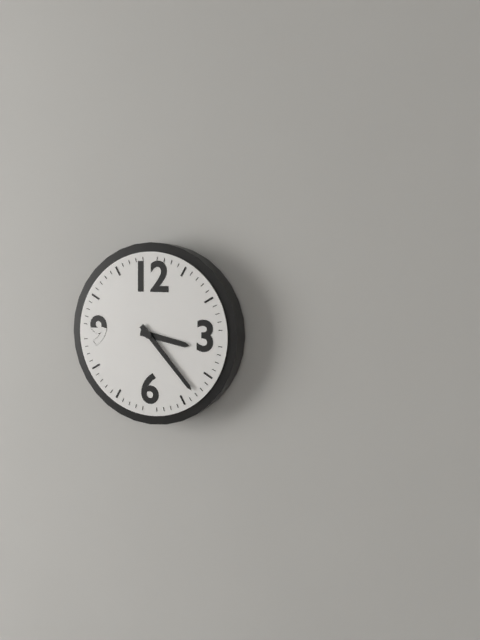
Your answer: 3 h 23 min
